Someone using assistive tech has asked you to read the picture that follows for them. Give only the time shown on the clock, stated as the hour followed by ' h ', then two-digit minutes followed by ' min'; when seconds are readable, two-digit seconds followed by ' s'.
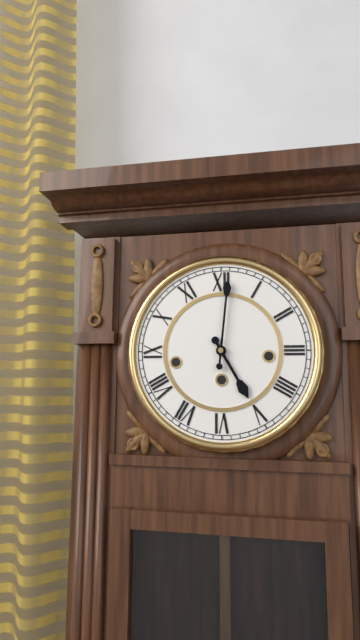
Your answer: 5 h 01 min
